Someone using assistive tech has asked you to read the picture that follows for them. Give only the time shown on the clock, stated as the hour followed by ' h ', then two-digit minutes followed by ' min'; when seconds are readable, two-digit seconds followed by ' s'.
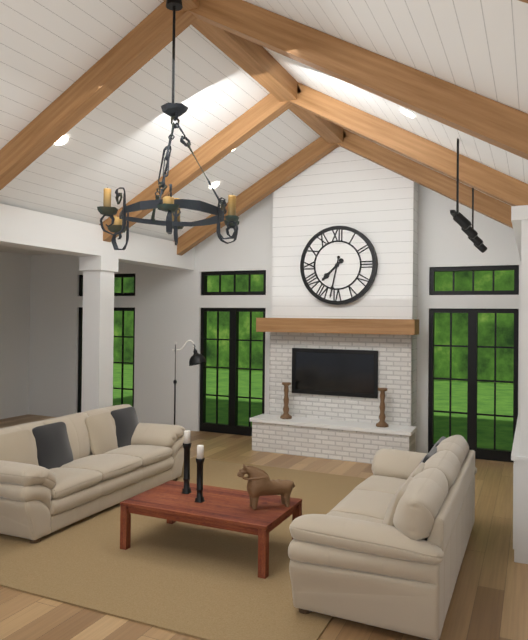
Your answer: 7 h 32 min
